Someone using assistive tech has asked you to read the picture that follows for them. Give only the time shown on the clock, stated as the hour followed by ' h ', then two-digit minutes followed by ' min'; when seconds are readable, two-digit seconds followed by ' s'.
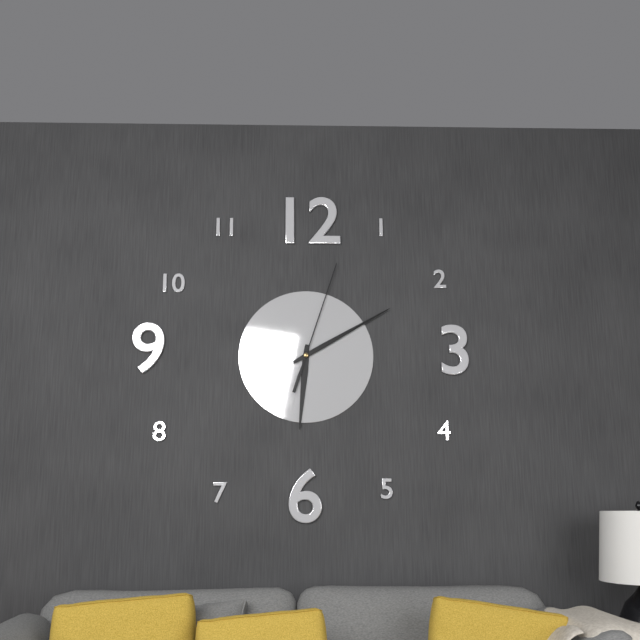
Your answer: 6 h 10 min 03 s
